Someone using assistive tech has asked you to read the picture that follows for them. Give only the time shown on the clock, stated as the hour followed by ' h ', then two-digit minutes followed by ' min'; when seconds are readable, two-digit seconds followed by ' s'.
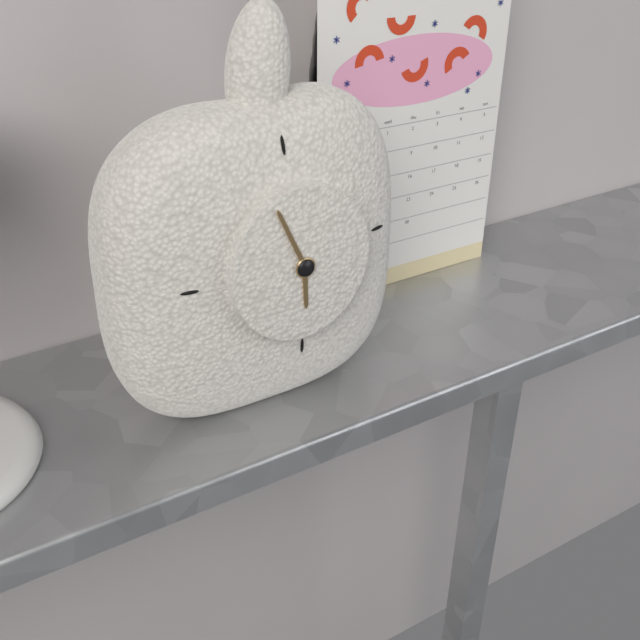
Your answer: 5 h 56 min
